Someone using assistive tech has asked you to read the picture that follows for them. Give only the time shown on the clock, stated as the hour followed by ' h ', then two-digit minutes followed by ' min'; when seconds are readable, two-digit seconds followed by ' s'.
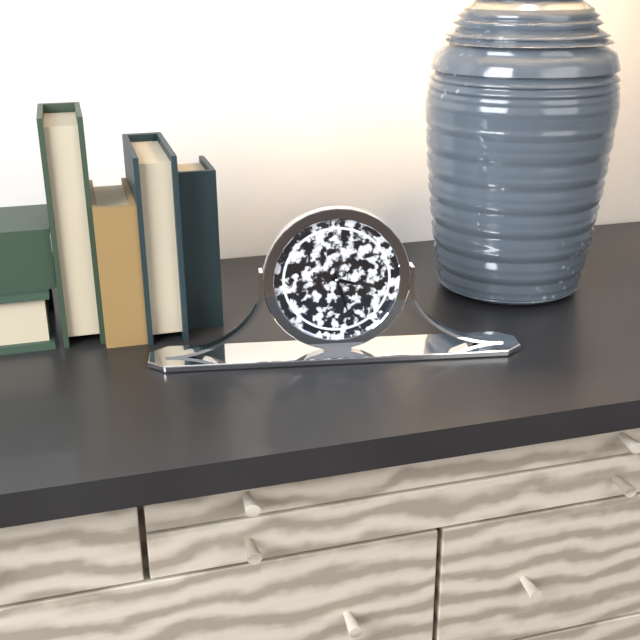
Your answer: 3 h 27 min
